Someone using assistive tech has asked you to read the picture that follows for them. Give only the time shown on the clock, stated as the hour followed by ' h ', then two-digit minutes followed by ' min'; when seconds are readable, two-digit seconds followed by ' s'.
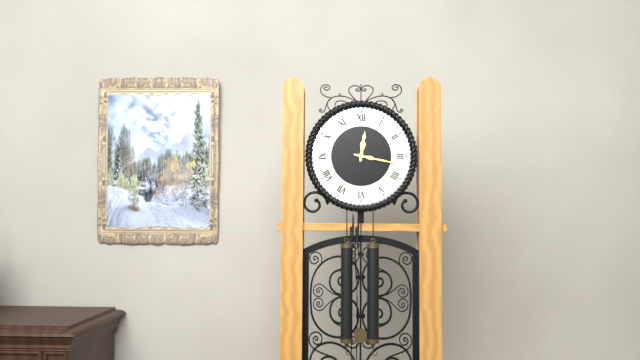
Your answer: 12 h 17 min
